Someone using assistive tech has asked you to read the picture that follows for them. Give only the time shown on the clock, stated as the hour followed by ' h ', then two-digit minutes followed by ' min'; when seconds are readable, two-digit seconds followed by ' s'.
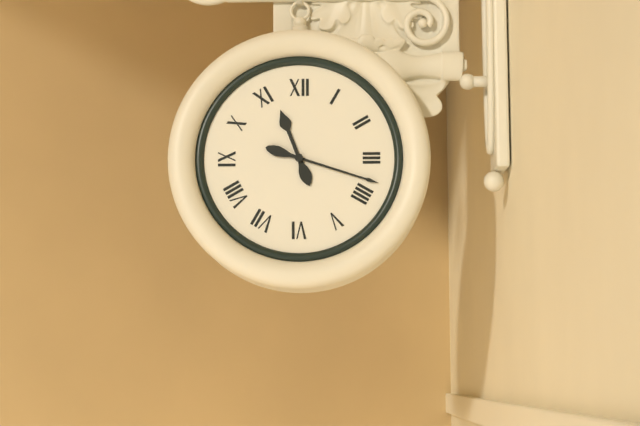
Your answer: 11 h 18 min
